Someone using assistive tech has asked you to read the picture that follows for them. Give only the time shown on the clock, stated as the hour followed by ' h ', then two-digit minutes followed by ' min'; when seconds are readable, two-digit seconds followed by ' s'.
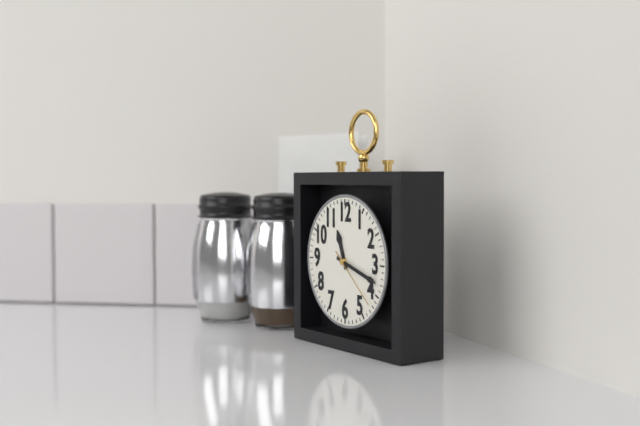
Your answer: 11 h 18 min 22 s
